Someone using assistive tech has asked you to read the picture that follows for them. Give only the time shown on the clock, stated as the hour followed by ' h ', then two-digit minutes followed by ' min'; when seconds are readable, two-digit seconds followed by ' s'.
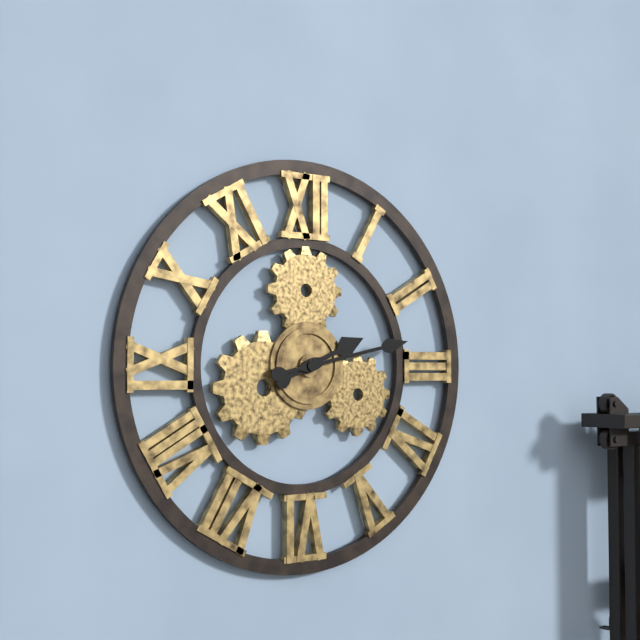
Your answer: 2 h 13 min
